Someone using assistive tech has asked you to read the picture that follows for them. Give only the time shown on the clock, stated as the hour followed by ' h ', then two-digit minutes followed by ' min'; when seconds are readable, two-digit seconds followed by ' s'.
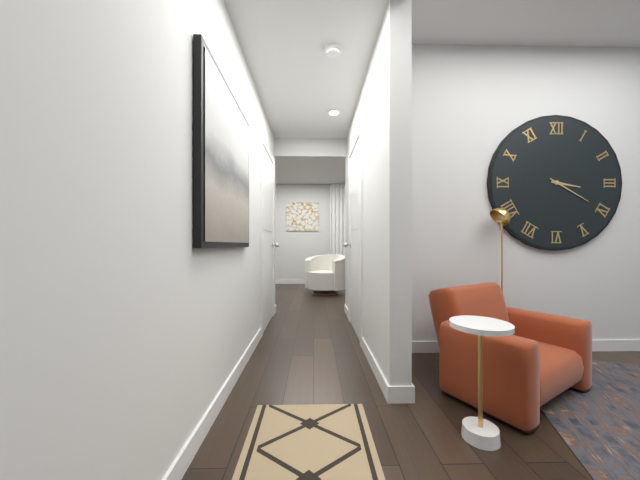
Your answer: 3 h 20 min
